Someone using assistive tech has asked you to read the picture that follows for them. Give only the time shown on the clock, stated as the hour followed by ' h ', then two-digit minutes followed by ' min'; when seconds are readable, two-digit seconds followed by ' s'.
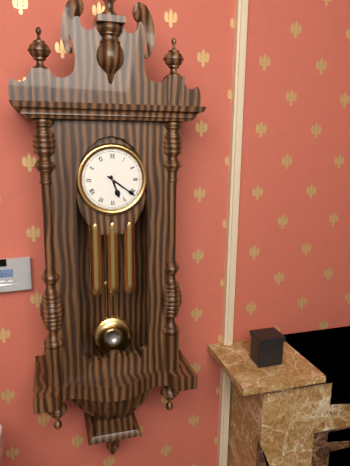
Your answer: 5 h 21 min
